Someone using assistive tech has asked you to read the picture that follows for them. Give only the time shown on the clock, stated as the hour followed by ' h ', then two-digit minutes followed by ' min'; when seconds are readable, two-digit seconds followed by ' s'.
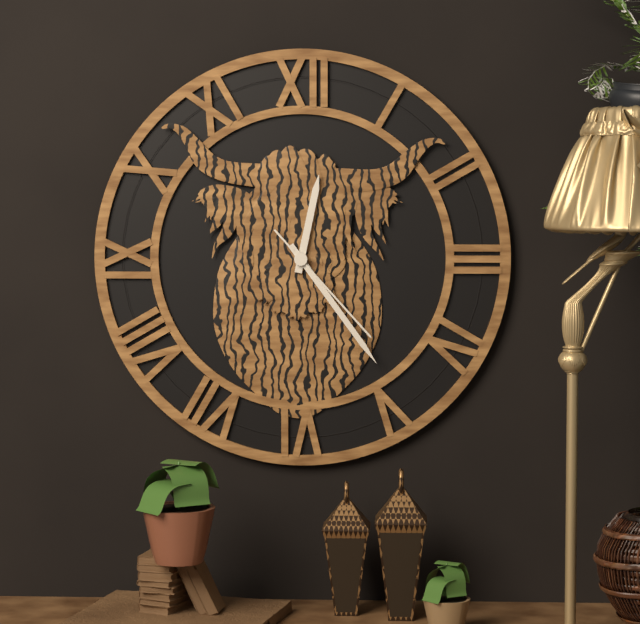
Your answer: 12 h 24 min 23 s
